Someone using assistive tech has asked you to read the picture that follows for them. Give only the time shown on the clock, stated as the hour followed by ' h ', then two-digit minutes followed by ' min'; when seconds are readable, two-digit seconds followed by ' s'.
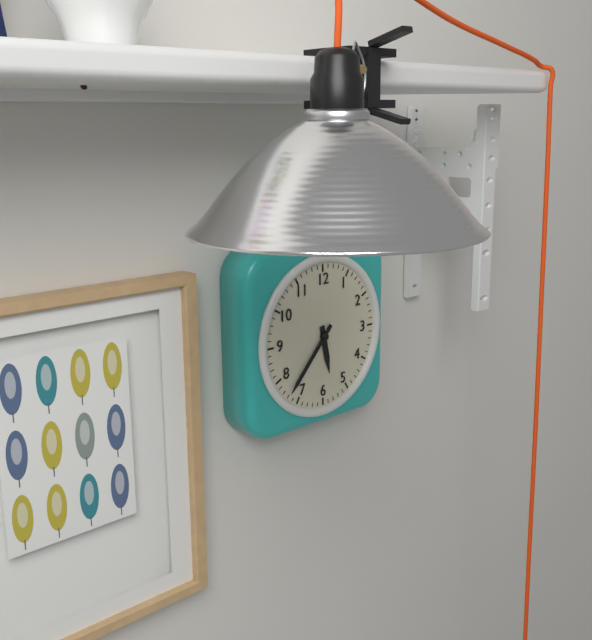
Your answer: 5 h 37 min
